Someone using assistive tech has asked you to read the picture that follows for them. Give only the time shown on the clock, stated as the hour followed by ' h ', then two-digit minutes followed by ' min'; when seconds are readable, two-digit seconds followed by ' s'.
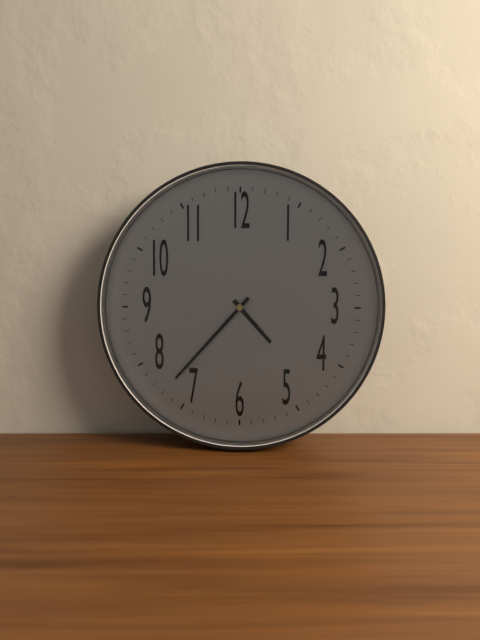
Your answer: 4 h 37 min
